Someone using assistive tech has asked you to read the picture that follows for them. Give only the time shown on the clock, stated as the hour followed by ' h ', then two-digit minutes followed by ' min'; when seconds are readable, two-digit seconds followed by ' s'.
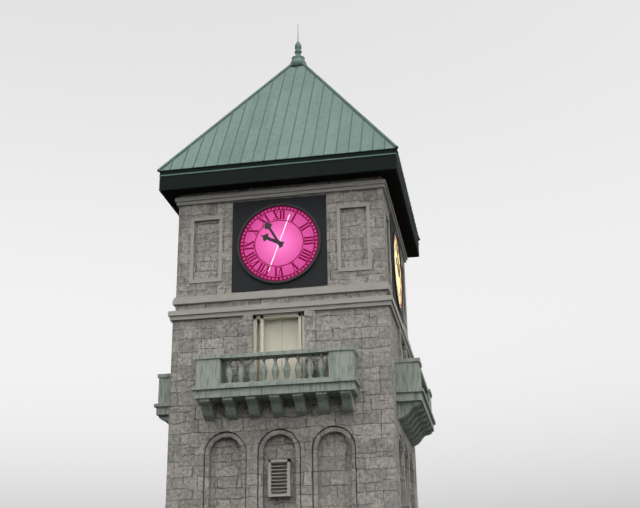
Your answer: 9 h 55 min
